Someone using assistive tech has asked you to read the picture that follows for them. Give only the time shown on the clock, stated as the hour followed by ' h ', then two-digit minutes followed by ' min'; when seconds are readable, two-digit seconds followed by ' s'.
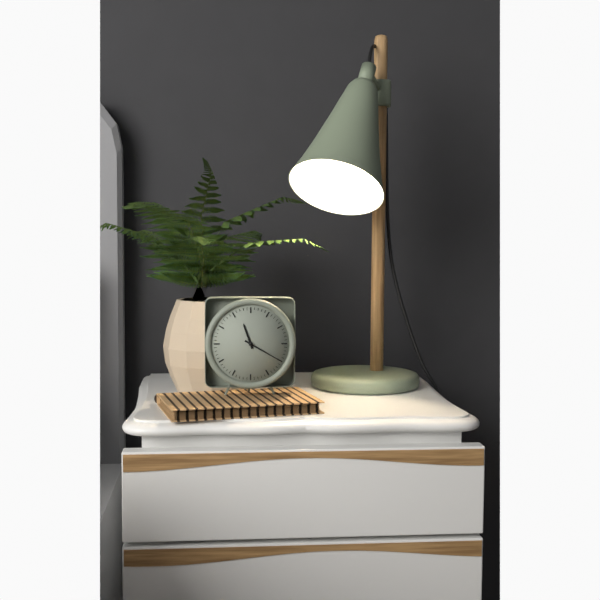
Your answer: 11 h 20 min
